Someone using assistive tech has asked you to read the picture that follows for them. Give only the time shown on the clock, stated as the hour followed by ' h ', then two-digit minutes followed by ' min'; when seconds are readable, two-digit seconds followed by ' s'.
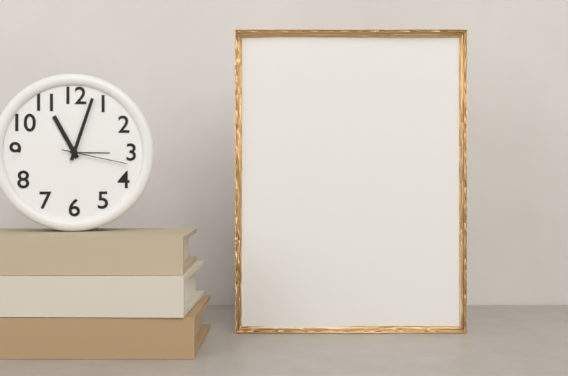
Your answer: 11 h 03 min 17 s
